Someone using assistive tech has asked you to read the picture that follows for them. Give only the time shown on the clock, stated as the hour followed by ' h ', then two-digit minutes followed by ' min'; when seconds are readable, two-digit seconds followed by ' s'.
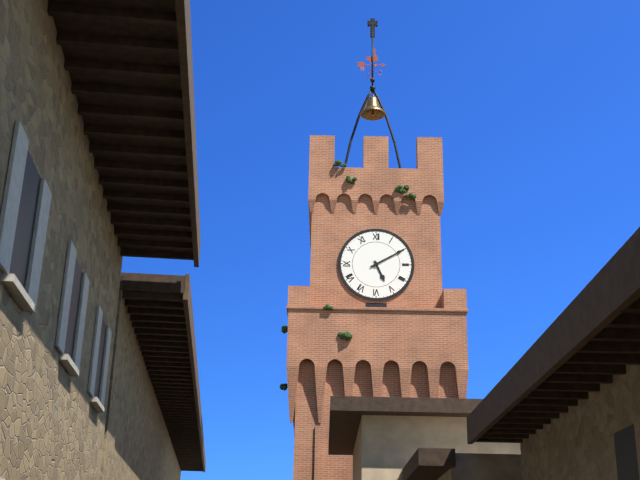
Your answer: 5 h 10 min
